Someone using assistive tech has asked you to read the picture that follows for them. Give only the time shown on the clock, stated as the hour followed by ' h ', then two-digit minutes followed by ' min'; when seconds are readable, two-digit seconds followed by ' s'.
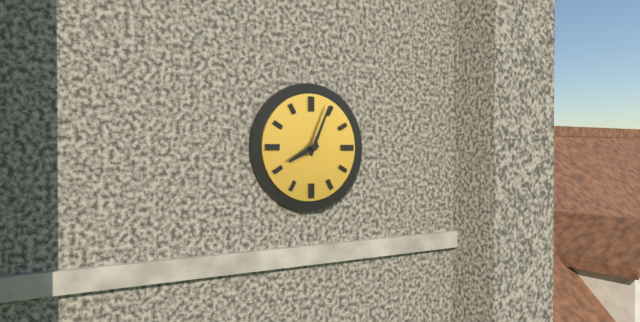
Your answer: 8 h 04 min
